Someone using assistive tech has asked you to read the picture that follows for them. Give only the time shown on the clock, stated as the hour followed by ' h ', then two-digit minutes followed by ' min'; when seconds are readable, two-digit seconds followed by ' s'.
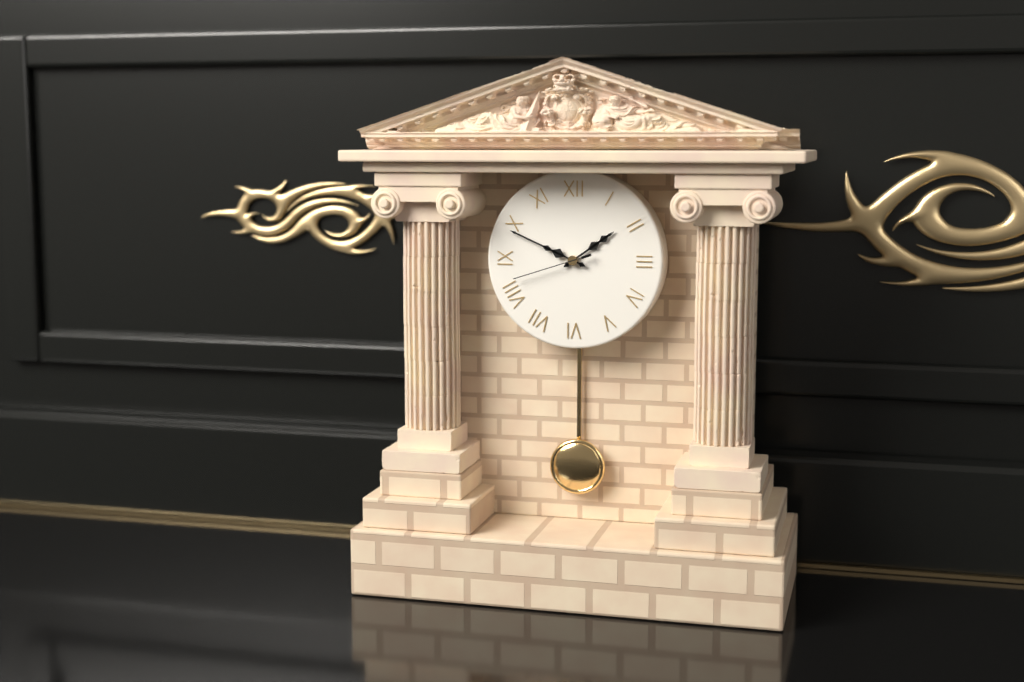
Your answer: 1 h 49 min 42 s
